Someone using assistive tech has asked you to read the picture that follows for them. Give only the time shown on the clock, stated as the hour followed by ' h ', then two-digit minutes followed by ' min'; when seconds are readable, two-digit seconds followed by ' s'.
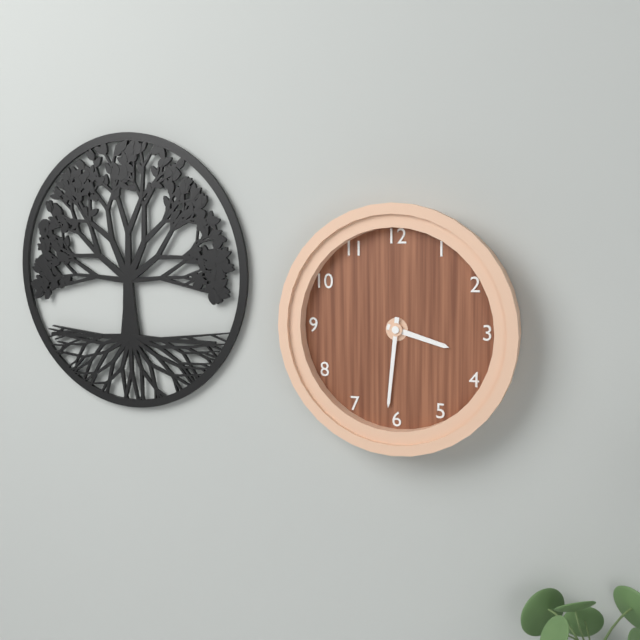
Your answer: 3 h 31 min
